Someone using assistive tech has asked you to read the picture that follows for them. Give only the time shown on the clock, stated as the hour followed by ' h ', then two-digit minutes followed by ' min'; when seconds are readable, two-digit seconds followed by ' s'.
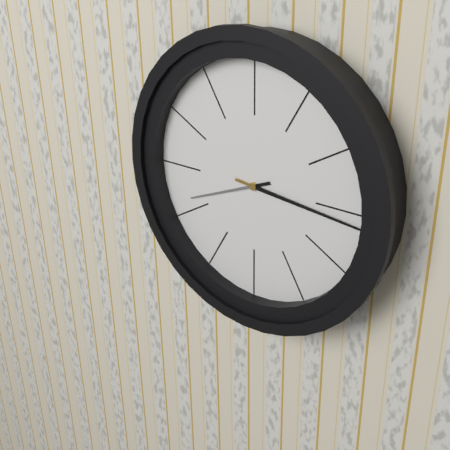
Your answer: 8 h 16 min
